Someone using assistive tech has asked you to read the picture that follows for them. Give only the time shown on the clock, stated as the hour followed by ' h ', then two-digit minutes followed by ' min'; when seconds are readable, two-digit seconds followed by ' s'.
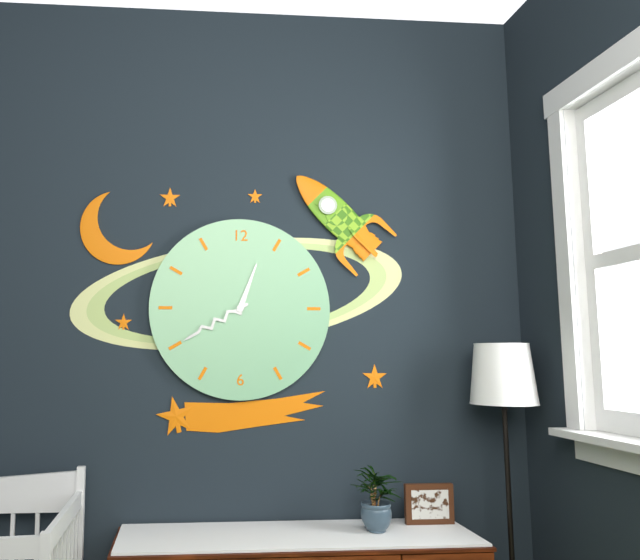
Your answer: 12 h 40 min
